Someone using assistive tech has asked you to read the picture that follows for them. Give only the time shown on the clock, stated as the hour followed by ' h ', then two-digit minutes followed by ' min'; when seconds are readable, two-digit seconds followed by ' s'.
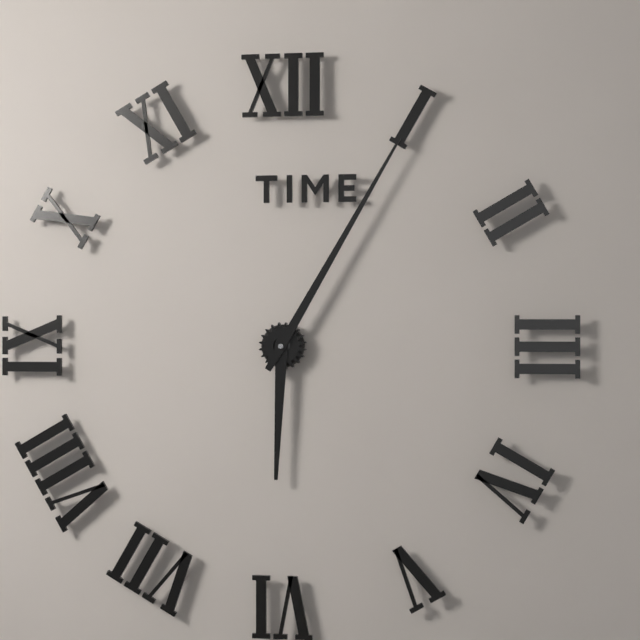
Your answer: 6 h 05 min
